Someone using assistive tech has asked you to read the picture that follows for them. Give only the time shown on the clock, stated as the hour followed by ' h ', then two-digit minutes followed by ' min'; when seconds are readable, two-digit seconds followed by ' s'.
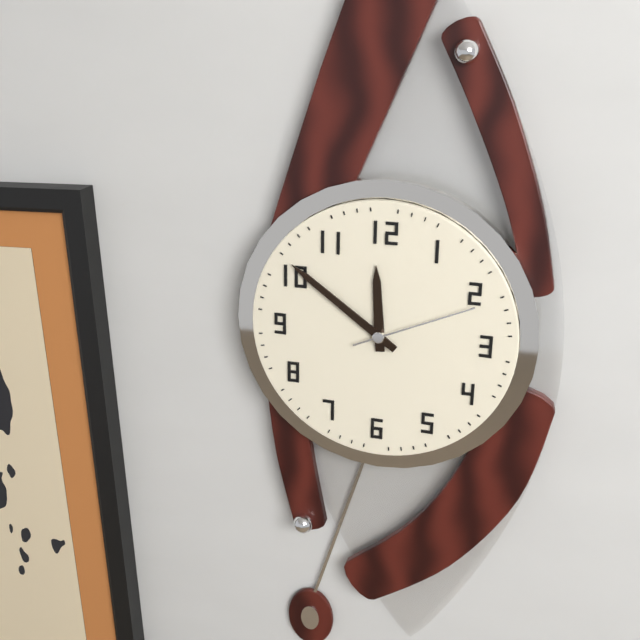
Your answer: 11 h 51 min 11 s
